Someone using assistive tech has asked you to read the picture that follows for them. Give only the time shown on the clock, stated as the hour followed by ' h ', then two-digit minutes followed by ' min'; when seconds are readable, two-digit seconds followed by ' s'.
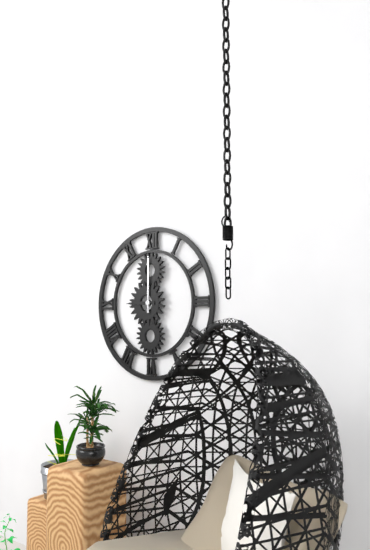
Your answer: 9 h 00 min
